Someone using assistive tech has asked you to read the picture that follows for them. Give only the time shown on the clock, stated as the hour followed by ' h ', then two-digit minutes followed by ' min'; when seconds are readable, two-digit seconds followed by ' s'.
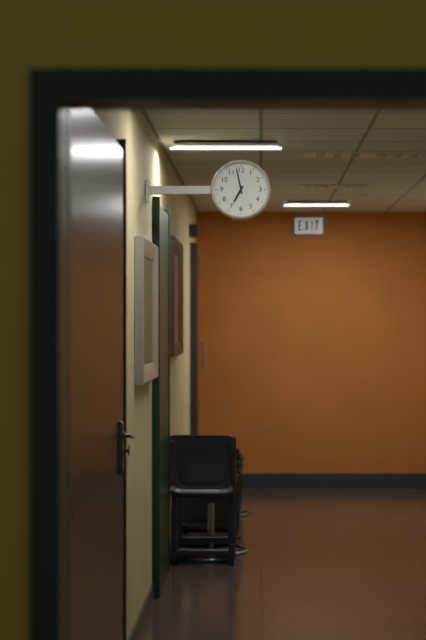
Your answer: 6 h 58 min
